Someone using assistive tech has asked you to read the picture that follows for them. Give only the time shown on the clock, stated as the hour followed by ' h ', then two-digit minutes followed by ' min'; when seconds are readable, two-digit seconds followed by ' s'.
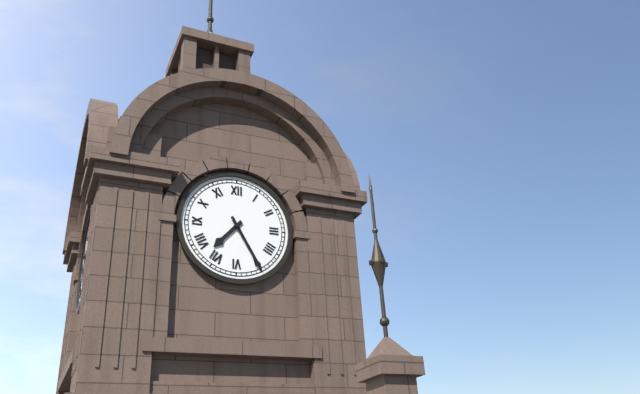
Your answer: 7 h 25 min
